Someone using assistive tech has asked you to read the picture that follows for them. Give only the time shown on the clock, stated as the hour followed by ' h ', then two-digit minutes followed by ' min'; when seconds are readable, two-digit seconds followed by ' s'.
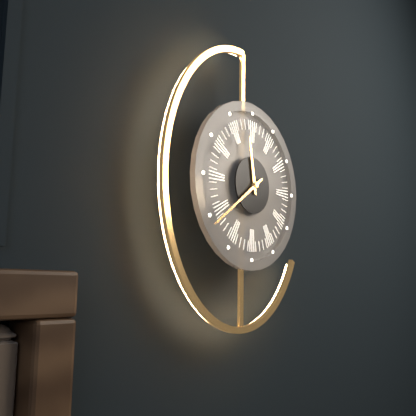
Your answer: 11 h 39 min
